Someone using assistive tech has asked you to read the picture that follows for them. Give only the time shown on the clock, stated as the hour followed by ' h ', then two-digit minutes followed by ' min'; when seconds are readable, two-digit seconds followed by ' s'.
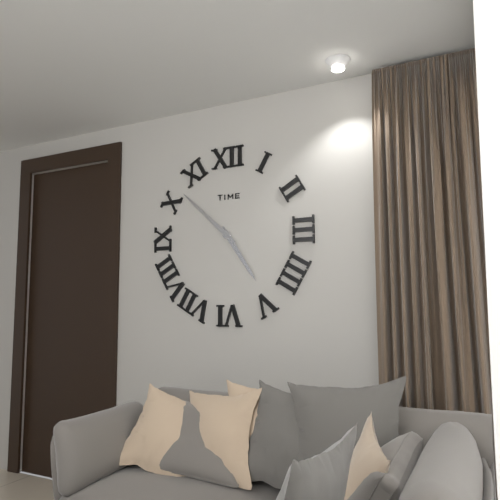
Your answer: 4 h 52 min
